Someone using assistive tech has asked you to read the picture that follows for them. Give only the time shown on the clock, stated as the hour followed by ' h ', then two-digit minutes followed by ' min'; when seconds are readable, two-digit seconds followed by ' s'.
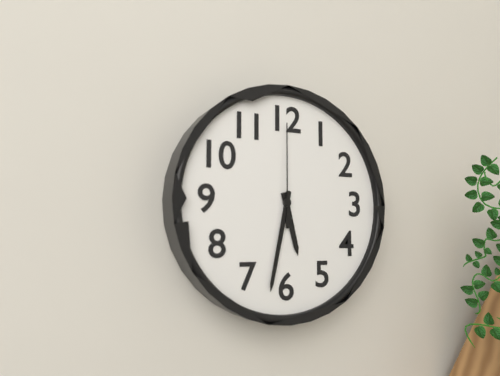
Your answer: 5 h 32 min 00 s
